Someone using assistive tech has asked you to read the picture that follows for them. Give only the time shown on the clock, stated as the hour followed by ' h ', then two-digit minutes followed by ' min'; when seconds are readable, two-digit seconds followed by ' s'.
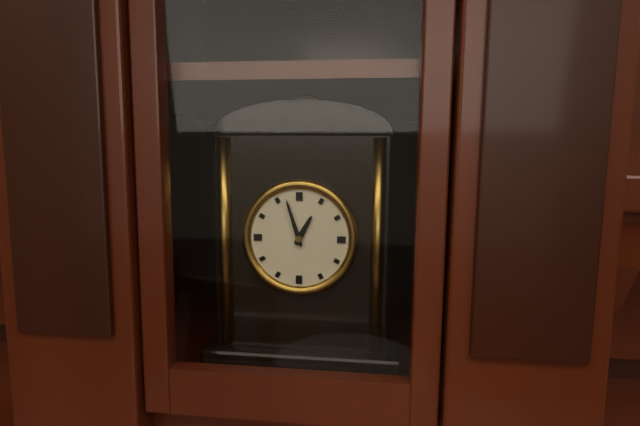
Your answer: 12 h 57 min
